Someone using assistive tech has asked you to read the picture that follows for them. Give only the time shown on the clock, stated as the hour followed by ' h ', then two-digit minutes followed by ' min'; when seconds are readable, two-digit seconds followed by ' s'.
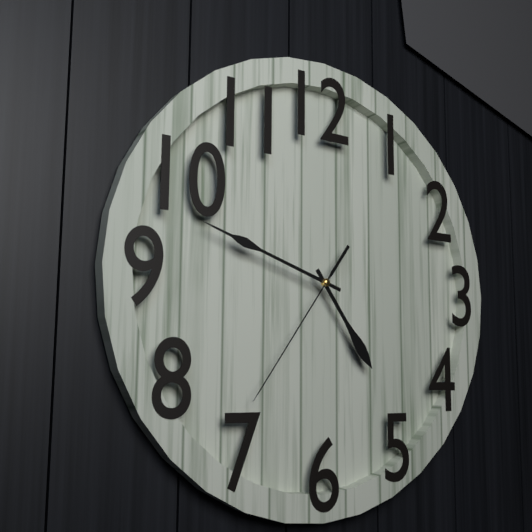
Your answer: 4 h 48 min 36 s
